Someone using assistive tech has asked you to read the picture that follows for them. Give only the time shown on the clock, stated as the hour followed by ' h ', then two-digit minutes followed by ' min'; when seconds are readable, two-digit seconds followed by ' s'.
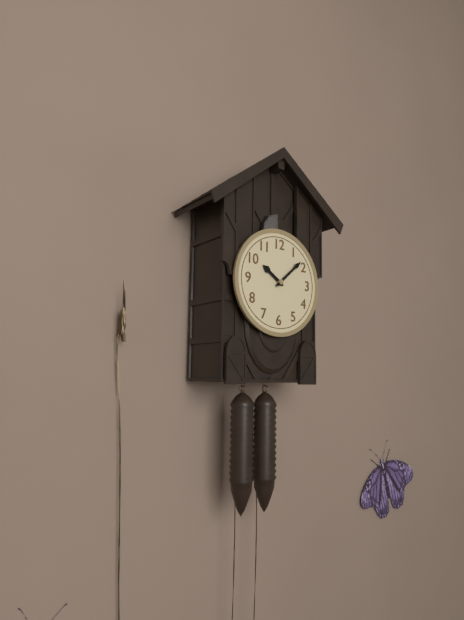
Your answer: 10 h 08 min
